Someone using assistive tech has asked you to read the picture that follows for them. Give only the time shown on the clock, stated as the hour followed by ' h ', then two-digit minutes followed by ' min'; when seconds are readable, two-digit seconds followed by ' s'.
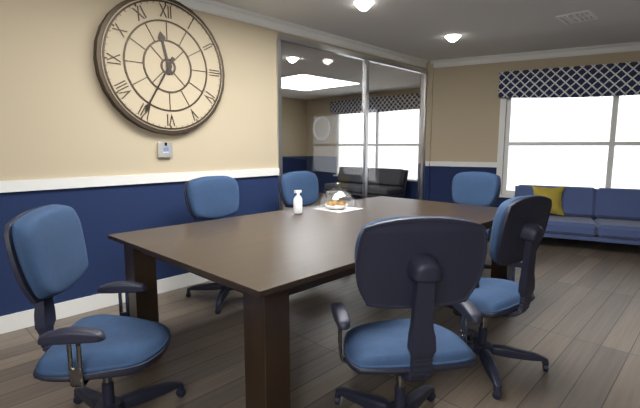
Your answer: 11 h 35 min
